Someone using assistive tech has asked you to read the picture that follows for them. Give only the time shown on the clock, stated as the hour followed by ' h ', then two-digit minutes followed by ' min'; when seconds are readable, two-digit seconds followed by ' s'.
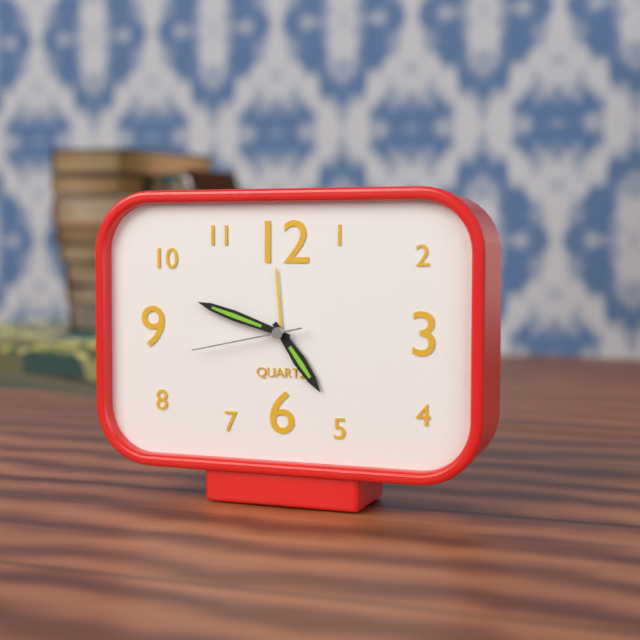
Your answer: 4 h 48 min 43 s
